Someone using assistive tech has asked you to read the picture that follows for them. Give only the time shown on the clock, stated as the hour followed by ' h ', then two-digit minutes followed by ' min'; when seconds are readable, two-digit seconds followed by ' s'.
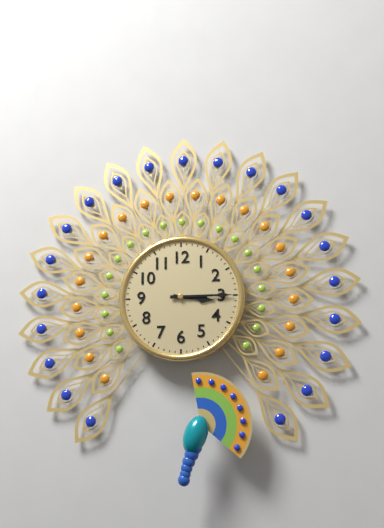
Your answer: 3 h 15 min
